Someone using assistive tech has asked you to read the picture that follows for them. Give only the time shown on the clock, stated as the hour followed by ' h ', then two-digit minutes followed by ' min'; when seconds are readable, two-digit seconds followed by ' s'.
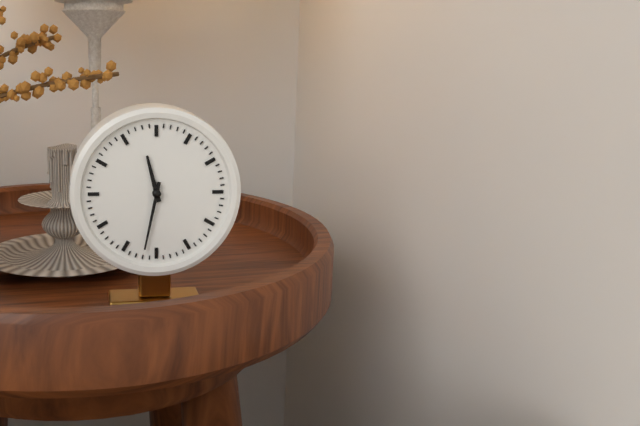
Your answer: 11 h 32 min
